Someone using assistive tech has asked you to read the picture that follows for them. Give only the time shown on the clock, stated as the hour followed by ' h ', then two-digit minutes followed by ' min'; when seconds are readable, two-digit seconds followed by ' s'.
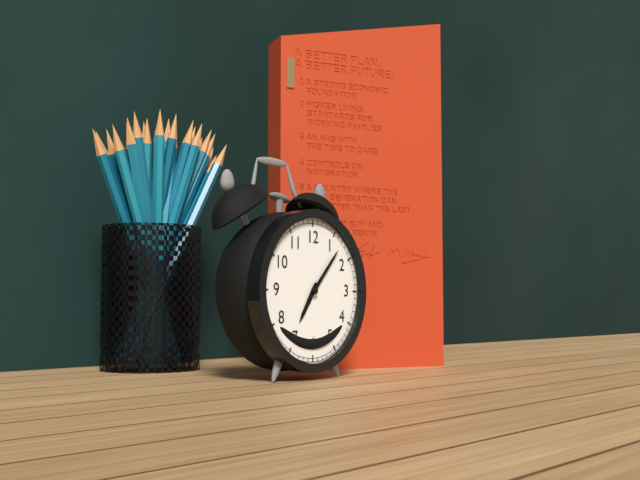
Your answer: 7 h 07 min
